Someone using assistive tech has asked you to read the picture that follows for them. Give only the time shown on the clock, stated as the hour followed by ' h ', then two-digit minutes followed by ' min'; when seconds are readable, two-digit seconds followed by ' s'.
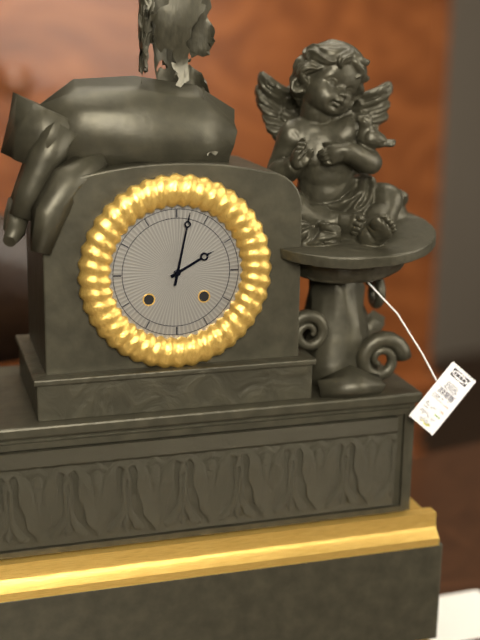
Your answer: 2 h 02 min
